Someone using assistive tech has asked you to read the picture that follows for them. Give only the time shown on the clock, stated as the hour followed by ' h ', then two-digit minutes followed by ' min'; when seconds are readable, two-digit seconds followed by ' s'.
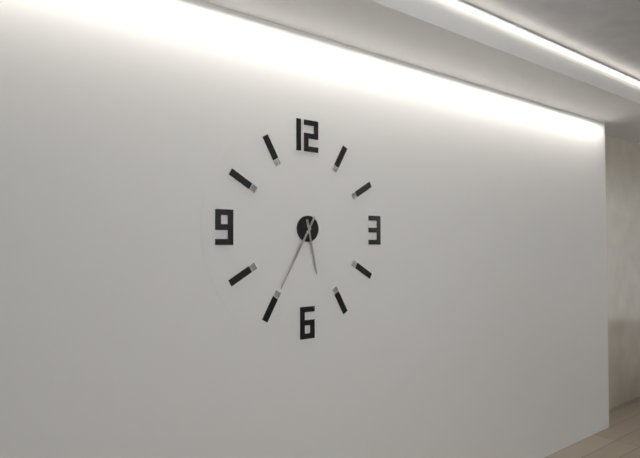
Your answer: 5 h 35 min
